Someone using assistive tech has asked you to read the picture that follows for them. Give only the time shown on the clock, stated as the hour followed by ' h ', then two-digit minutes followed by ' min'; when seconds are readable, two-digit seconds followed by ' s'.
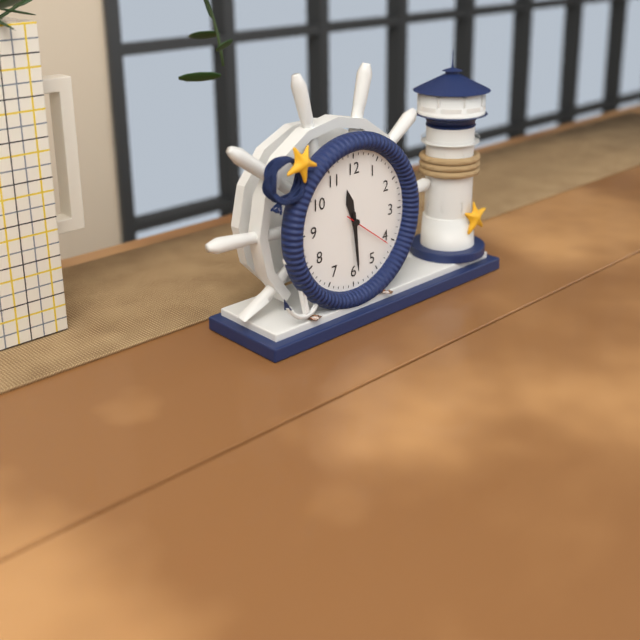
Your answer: 11 h 29 min
